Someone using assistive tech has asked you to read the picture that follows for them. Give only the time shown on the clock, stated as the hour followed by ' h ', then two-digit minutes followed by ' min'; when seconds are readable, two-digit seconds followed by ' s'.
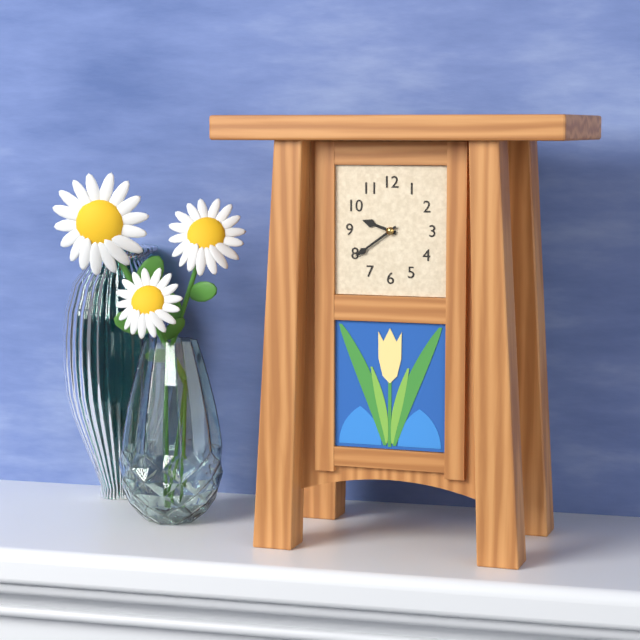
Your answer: 9 h 39 min
